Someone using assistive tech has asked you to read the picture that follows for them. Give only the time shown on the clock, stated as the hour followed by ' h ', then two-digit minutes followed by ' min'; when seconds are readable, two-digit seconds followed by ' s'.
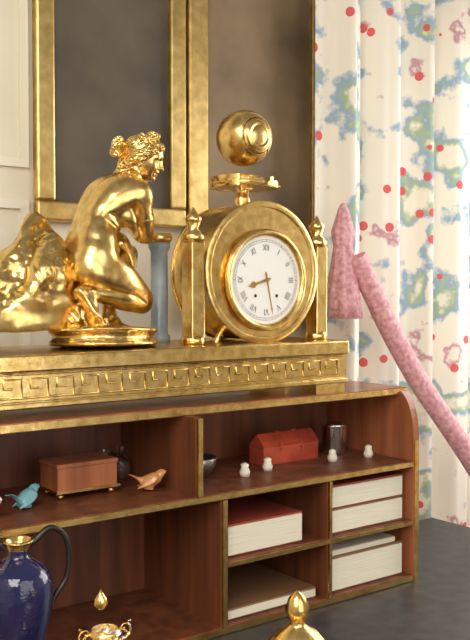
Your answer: 8 h 28 min
